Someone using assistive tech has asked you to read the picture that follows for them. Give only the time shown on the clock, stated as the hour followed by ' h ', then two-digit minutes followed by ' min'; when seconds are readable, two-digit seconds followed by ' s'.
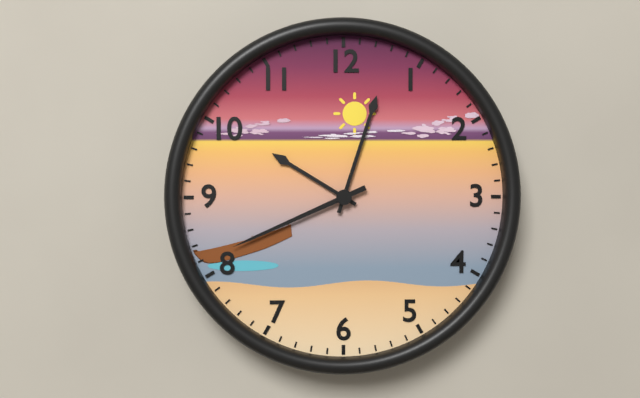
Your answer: 10 h 03 min 41 s
